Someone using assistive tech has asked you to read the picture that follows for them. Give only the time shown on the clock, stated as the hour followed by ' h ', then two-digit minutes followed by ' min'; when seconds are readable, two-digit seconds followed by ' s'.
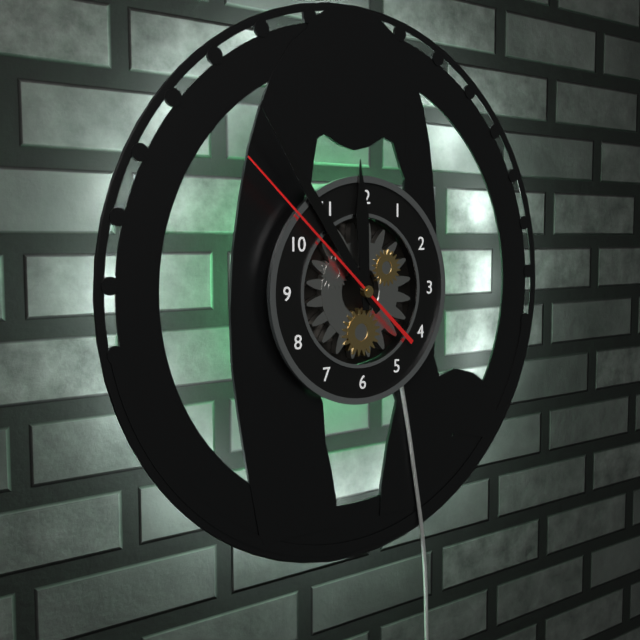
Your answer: 11 h 54 min 52 s
